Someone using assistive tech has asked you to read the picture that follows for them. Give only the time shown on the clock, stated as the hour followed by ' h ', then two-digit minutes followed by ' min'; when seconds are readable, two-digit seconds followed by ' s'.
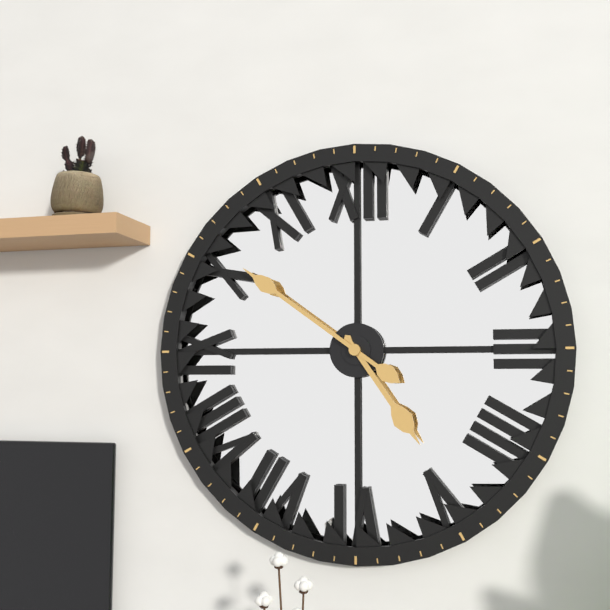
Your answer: 4 h 51 min
